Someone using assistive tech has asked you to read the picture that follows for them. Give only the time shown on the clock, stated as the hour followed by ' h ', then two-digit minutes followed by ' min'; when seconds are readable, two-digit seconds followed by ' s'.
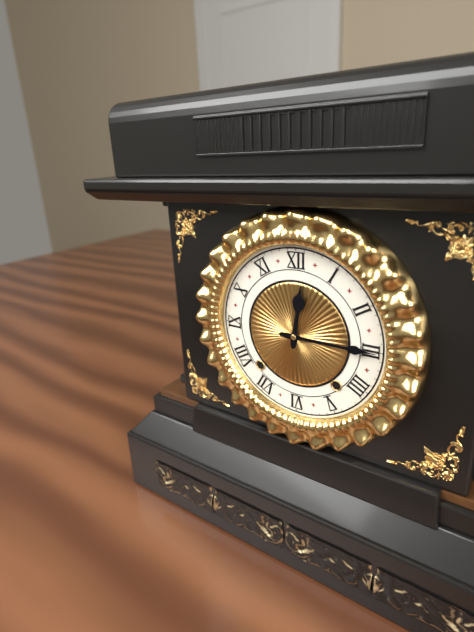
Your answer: 12 h 15 min
